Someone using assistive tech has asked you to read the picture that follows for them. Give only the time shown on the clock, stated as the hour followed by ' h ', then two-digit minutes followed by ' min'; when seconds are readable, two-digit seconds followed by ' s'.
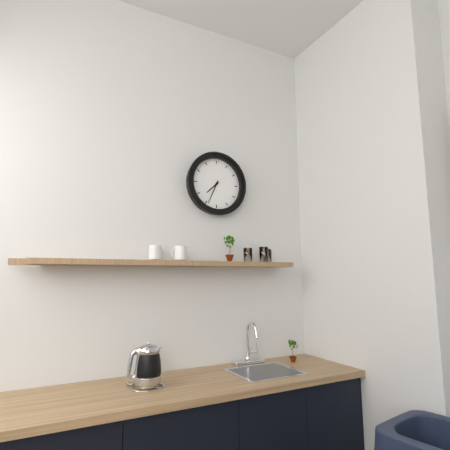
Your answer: 7 h 34 min
